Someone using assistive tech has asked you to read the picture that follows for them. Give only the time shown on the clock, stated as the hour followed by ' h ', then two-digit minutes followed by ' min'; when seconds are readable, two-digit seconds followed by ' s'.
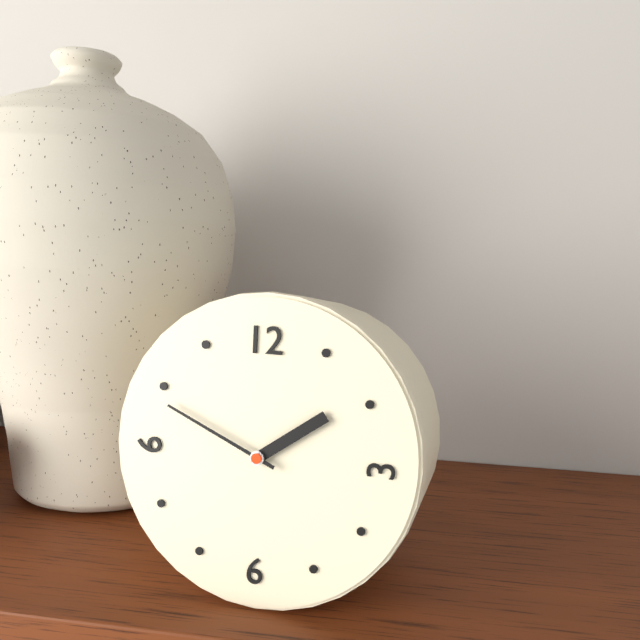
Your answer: 1 h 49 min
